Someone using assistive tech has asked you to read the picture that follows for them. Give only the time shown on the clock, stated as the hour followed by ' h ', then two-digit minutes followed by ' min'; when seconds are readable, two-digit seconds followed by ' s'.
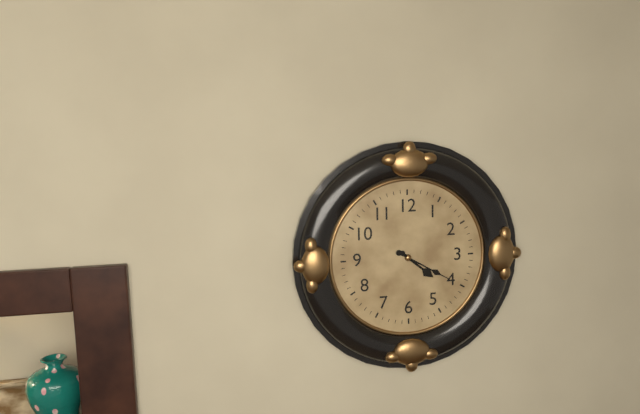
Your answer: 4 h 20 min
